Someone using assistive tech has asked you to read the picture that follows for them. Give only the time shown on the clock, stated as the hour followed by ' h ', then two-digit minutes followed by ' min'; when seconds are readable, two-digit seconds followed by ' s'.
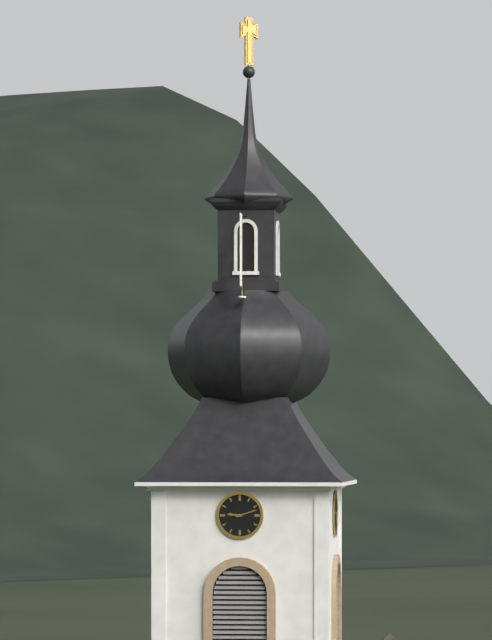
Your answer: 9 h 12 min
